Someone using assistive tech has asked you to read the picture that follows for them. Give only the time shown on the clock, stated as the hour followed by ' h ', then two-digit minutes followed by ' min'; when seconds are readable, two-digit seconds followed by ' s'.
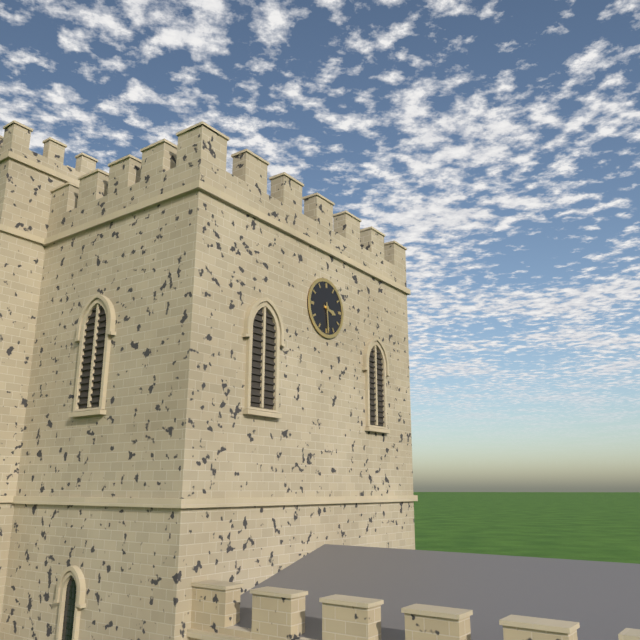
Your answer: 3 h 29 min
